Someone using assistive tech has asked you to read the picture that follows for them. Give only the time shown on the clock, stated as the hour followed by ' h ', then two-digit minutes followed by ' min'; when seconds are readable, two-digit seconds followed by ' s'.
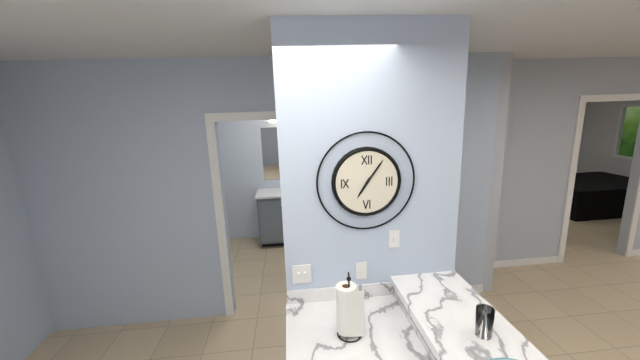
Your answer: 7 h 06 min
